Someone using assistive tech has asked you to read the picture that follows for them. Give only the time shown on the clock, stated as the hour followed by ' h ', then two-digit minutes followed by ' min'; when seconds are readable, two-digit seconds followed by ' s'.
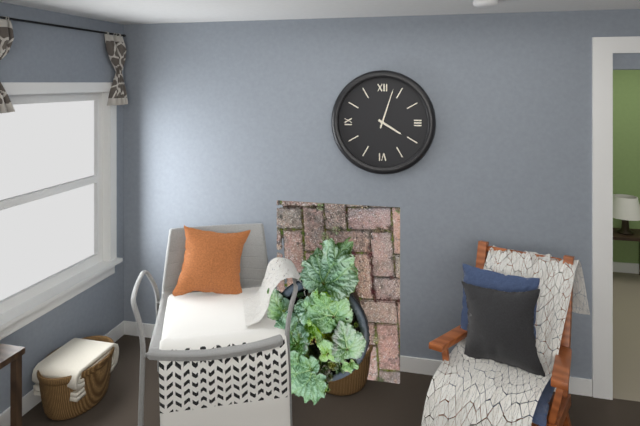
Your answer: 4 h 03 min
